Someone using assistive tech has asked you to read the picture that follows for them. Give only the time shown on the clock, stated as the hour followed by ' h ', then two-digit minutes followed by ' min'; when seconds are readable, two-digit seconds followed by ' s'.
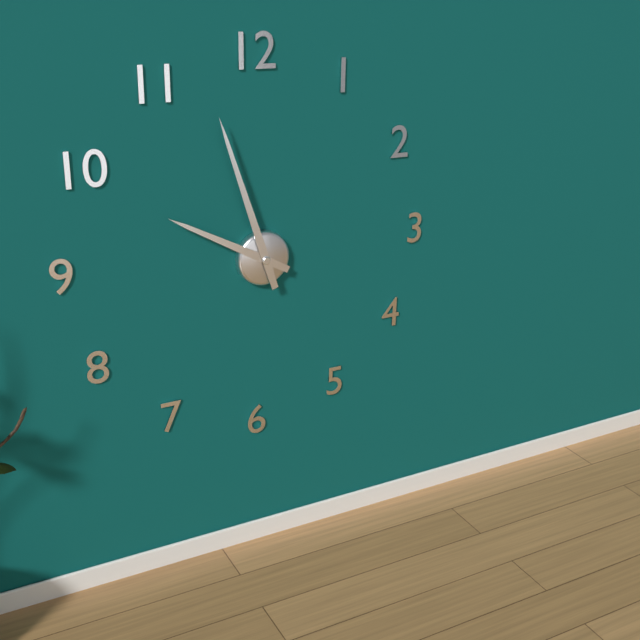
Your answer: 9 h 57 min
